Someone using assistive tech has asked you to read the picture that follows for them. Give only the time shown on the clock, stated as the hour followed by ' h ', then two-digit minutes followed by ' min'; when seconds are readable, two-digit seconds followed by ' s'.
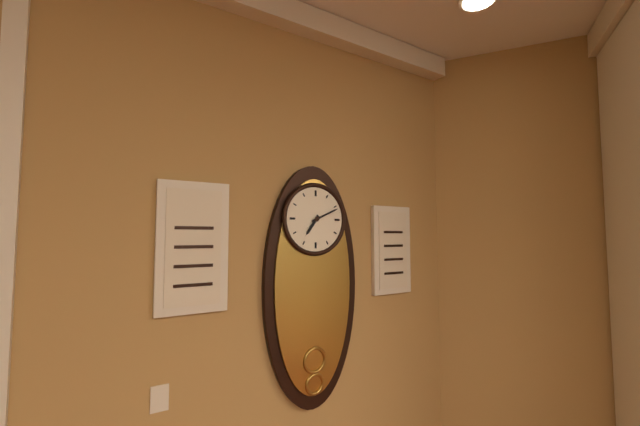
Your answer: 7 h 11 min
